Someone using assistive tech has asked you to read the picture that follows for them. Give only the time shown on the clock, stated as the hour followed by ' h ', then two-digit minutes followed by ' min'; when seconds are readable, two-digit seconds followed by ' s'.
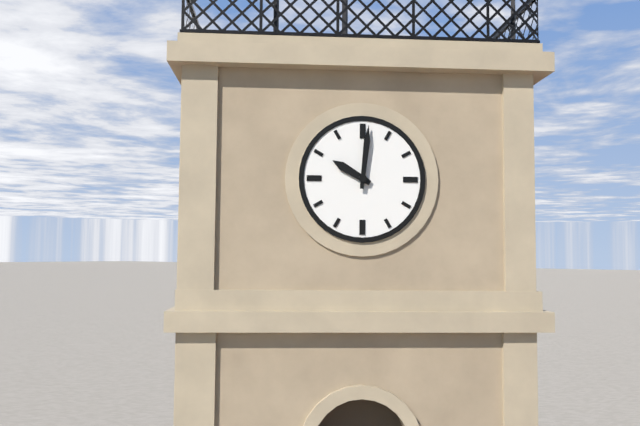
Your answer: 10 h 01 min
